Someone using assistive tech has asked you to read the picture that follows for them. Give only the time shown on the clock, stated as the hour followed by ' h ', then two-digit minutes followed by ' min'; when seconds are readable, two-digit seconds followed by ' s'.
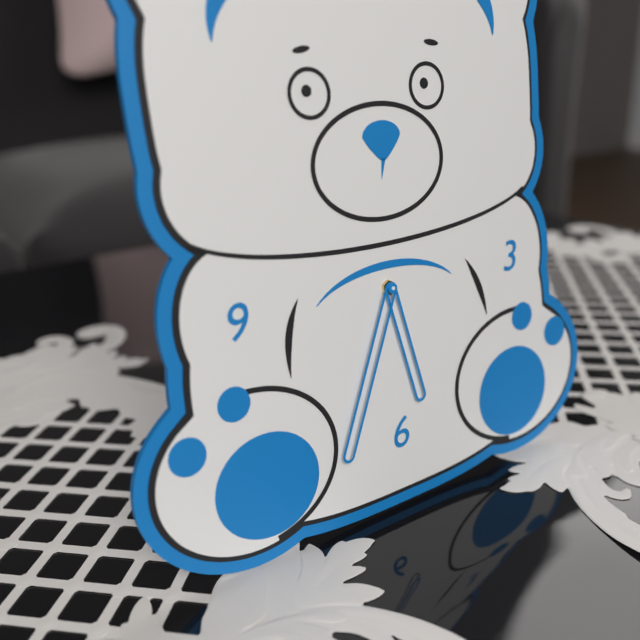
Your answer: 5 h 34 min
